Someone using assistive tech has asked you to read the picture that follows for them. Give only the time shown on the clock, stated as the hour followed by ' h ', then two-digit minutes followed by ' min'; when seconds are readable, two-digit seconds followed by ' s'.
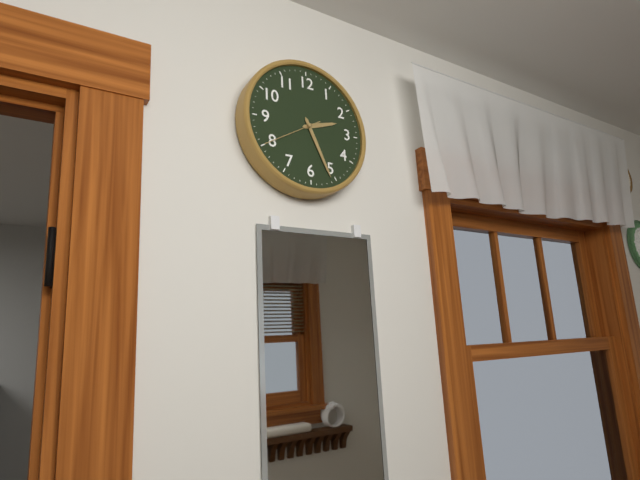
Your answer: 2 h 26 min
